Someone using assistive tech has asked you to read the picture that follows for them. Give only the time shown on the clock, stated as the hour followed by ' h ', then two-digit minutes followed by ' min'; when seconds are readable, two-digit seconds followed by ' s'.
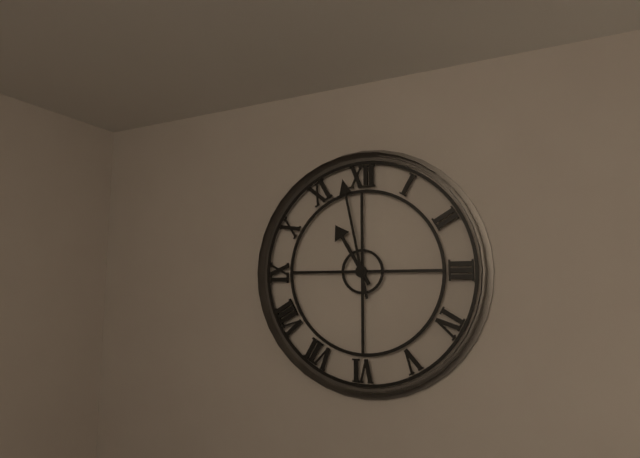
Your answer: 10 h 58 min
